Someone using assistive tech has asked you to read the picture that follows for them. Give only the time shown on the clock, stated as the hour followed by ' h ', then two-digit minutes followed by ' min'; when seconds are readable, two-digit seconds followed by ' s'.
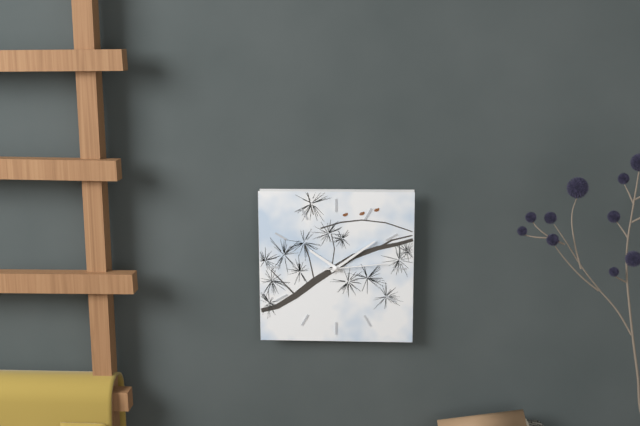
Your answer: 10 h 09 min 14 s
